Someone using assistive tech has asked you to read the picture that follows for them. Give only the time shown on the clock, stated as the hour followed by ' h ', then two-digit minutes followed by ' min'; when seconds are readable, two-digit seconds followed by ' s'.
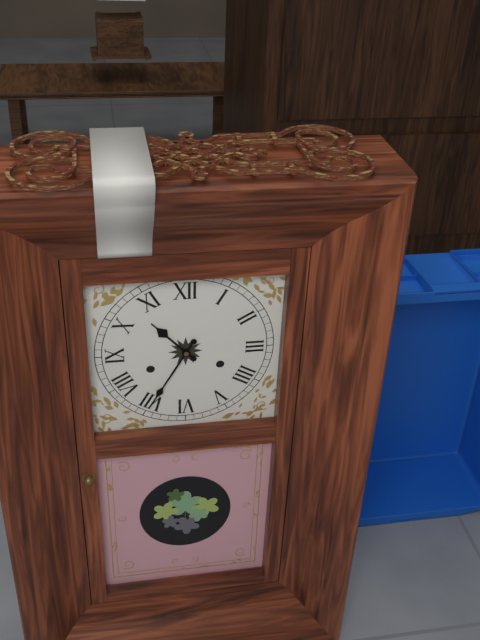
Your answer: 10 h 35 min
